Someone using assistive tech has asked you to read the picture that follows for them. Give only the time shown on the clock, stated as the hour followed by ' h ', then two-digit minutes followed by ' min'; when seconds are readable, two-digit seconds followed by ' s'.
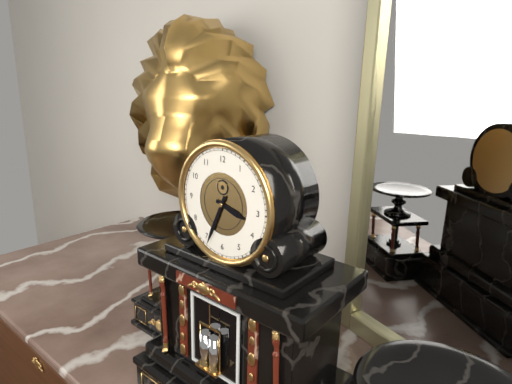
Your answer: 3 h 34 min
